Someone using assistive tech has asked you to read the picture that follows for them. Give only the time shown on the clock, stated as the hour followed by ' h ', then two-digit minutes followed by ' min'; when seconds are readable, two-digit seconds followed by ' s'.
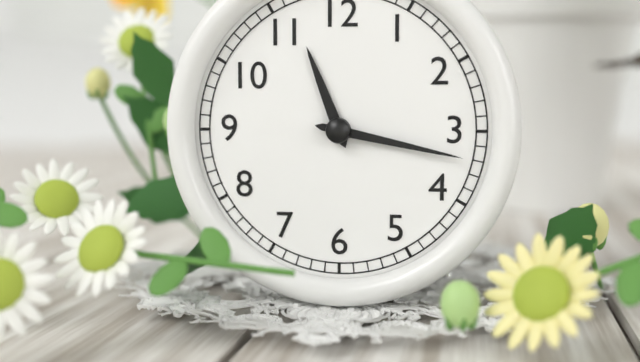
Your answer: 11 h 17 min
